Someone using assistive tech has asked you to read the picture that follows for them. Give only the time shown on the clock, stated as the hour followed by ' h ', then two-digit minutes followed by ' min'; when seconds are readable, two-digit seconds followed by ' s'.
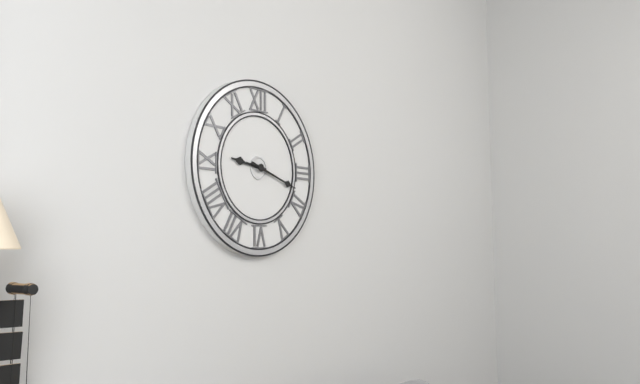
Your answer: 9 h 18 min
